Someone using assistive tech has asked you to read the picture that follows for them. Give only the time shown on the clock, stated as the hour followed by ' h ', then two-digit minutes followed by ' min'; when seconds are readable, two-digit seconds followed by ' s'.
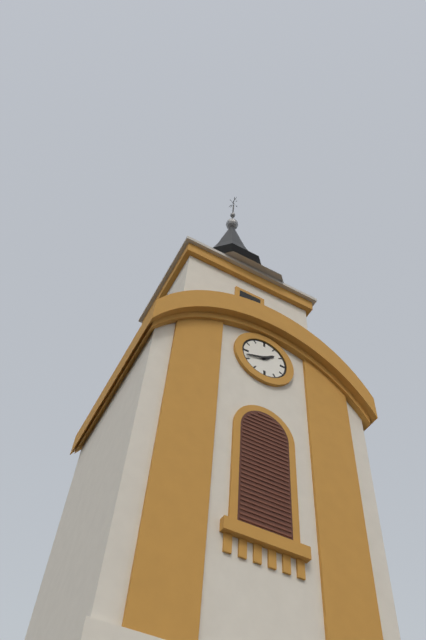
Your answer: 1 h 42 min
